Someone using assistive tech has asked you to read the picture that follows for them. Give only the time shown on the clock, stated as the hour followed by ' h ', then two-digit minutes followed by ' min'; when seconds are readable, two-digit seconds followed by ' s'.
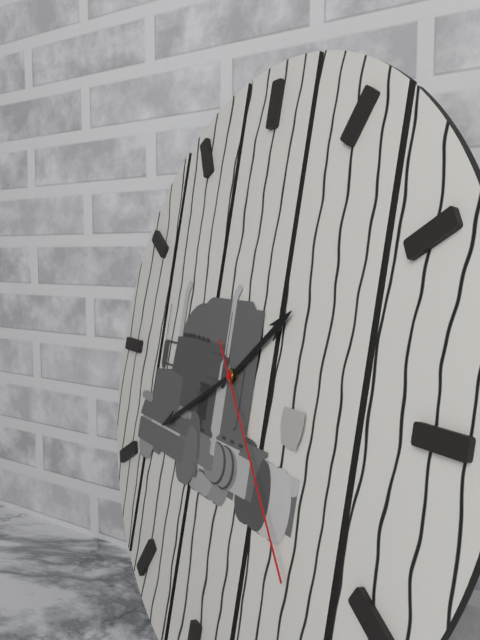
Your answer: 1 h 40 min 23 s
